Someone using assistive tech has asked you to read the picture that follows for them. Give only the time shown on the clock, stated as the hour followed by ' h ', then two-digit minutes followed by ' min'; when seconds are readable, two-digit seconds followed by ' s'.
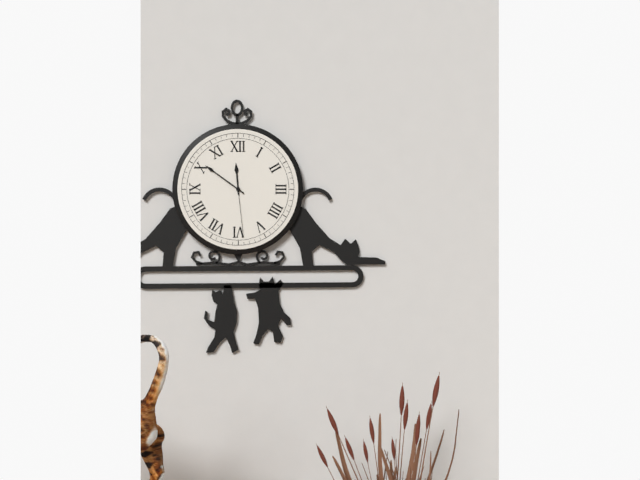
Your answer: 11 h 51 min 29 s
